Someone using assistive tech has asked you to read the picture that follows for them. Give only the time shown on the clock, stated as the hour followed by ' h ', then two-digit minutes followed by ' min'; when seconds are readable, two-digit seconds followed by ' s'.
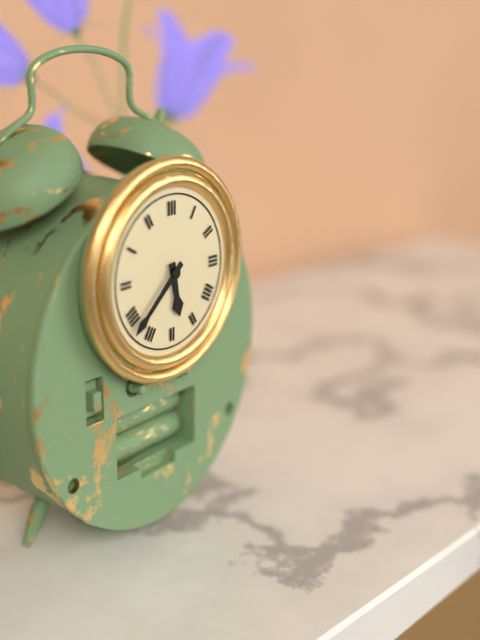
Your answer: 5 h 38 min
